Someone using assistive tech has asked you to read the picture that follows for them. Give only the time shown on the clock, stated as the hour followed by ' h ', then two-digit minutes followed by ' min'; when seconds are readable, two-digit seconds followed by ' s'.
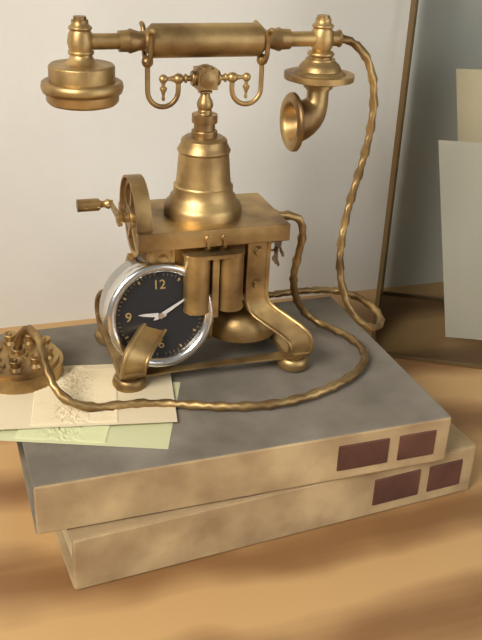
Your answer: 9 h 10 min
